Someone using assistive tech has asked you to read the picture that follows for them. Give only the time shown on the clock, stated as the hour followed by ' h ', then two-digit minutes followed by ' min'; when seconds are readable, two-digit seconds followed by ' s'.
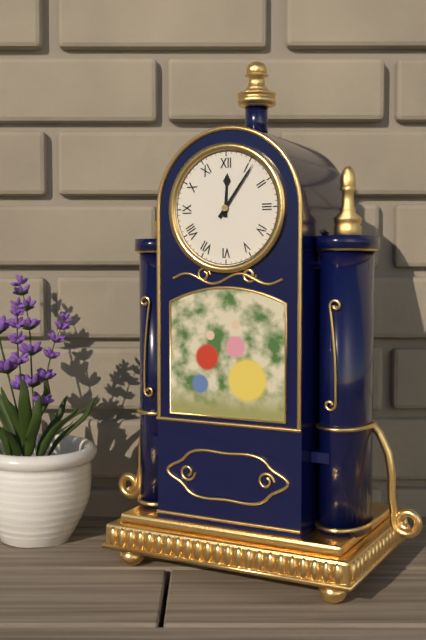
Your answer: 12 h 06 min
